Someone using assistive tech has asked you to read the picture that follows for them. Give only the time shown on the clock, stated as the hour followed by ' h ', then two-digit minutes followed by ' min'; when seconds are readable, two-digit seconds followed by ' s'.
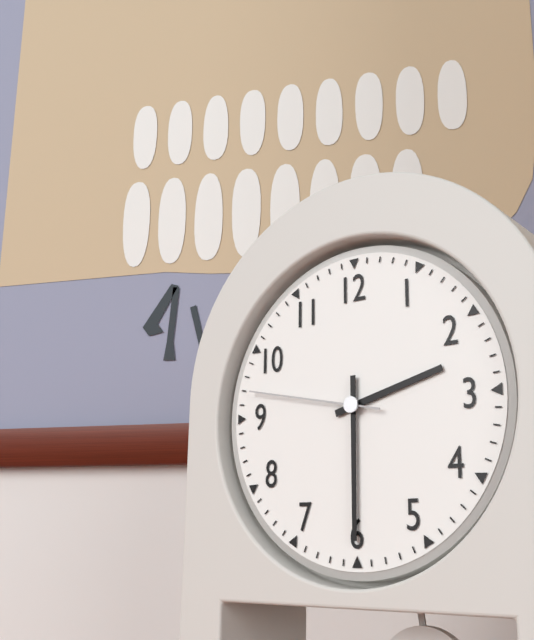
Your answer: 2 h 30 min 47 s
